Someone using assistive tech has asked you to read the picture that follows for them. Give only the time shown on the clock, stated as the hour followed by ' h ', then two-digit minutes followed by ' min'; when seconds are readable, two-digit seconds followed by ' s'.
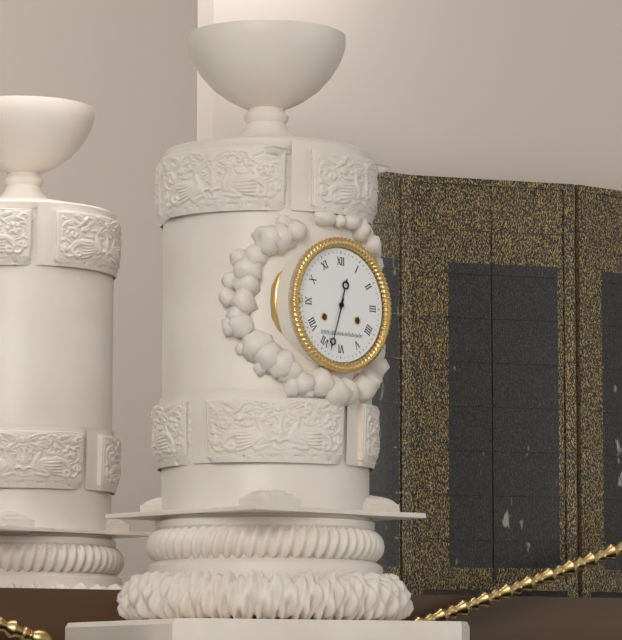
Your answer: 12 h 33 min
